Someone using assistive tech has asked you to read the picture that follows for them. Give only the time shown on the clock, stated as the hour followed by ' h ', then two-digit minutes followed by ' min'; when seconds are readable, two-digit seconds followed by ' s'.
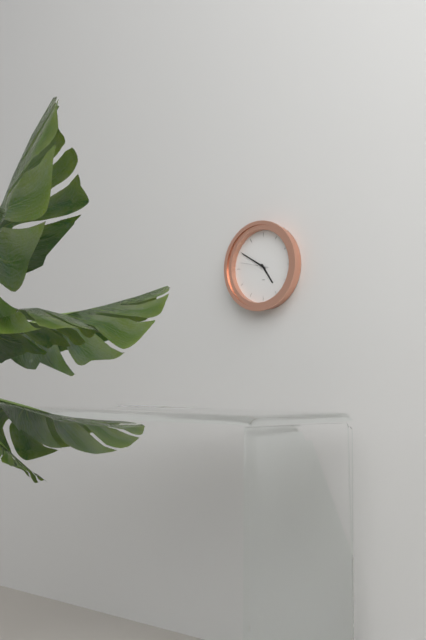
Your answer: 4 h 50 min
